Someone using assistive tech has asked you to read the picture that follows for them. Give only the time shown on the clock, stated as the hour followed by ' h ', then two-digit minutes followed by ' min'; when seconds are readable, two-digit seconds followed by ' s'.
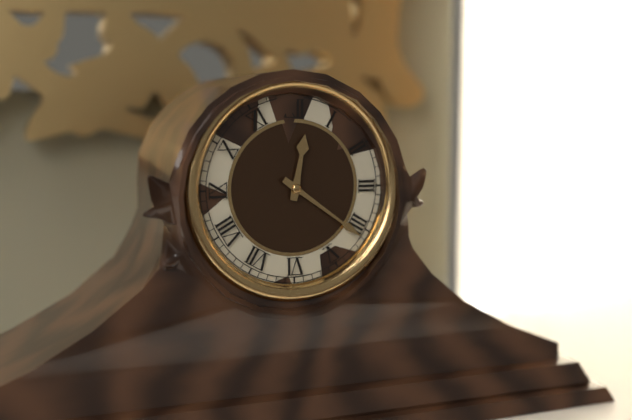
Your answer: 12 h 21 min
